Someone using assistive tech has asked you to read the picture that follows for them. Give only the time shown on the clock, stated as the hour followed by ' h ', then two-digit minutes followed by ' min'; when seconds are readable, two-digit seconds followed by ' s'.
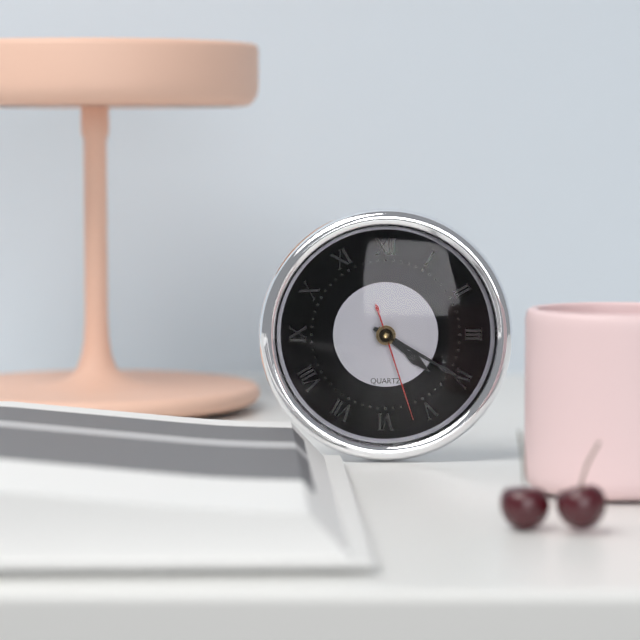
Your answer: 4 h 20 min 27 s
